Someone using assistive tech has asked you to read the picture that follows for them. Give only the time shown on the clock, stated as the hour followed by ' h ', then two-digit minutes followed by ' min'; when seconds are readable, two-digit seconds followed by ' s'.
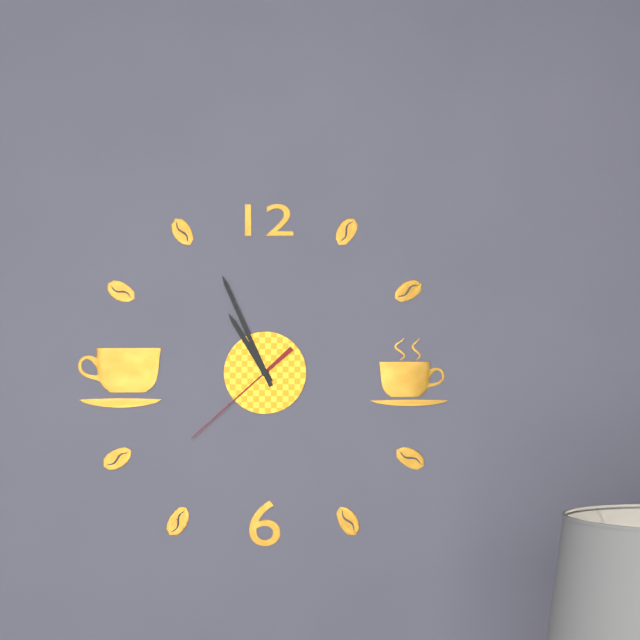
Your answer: 10 h 56 min 38 s
